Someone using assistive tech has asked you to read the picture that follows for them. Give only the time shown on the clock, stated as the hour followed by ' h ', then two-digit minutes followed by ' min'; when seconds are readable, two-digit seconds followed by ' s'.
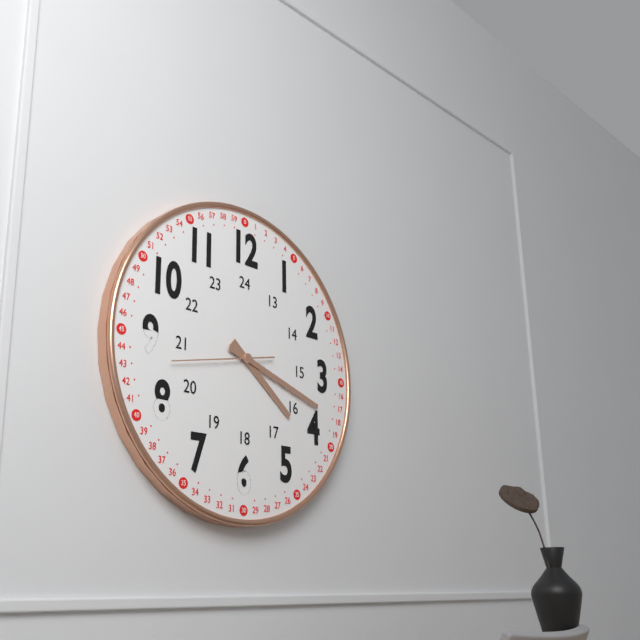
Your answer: 4 h 18 min 43 s
